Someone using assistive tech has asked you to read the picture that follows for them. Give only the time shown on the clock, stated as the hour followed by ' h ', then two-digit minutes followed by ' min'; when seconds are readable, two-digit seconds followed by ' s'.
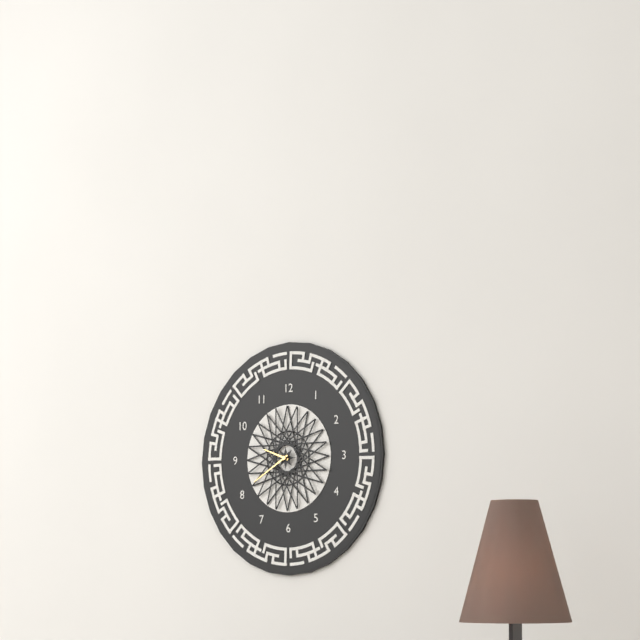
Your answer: 9 h 40 min
